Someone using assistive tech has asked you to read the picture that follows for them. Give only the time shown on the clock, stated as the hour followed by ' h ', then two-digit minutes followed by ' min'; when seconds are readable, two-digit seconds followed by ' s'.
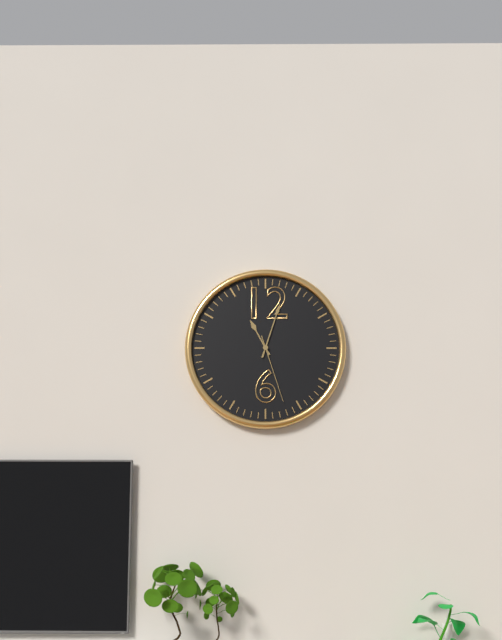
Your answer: 11 h 03 min 27 s
